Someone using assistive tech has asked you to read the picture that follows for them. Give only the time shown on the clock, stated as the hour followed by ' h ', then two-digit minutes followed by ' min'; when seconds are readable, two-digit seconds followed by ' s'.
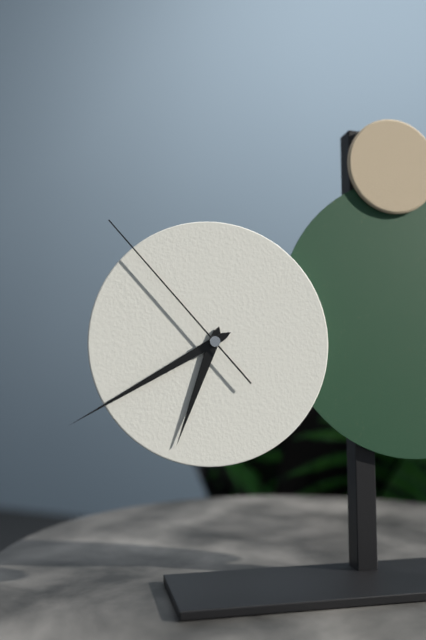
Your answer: 6 h 40 min 53 s
